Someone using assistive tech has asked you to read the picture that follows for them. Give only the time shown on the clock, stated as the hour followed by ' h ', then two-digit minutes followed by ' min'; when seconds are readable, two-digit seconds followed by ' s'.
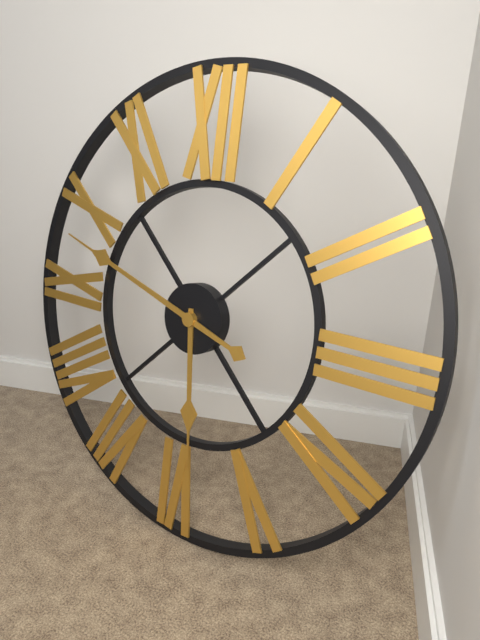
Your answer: 5 h 48 min
